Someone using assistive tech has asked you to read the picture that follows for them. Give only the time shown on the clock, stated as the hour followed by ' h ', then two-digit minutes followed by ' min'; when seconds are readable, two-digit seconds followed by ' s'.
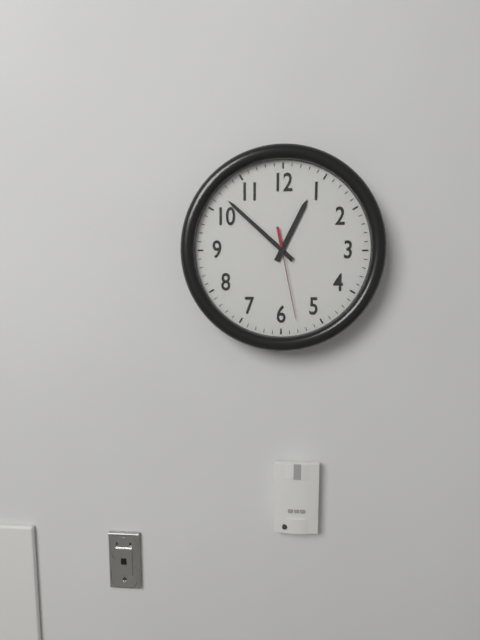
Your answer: 12 h 52 min 28 s
